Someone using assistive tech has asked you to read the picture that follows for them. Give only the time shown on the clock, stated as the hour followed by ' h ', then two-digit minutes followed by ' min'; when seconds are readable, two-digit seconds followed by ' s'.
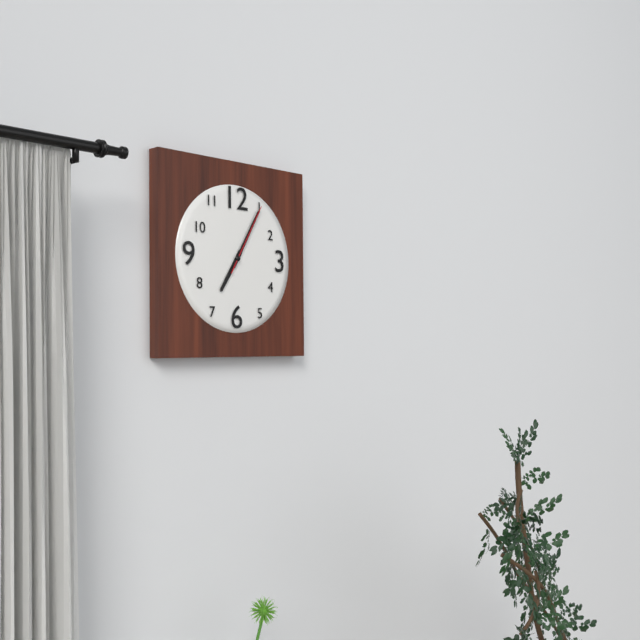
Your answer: 7 h 05 min 05 s
